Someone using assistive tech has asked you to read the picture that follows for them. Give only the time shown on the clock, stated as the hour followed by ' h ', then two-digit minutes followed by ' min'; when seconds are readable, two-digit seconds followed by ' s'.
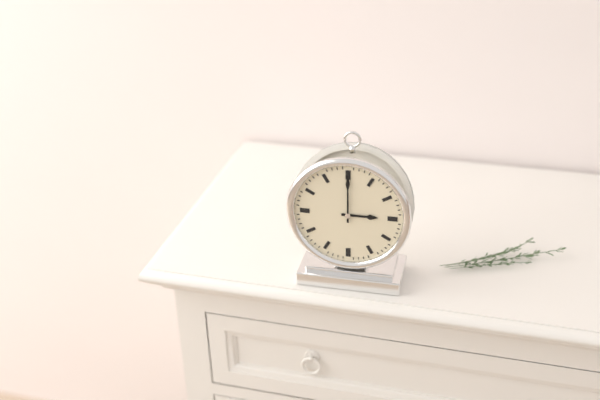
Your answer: 3 h 00 min
